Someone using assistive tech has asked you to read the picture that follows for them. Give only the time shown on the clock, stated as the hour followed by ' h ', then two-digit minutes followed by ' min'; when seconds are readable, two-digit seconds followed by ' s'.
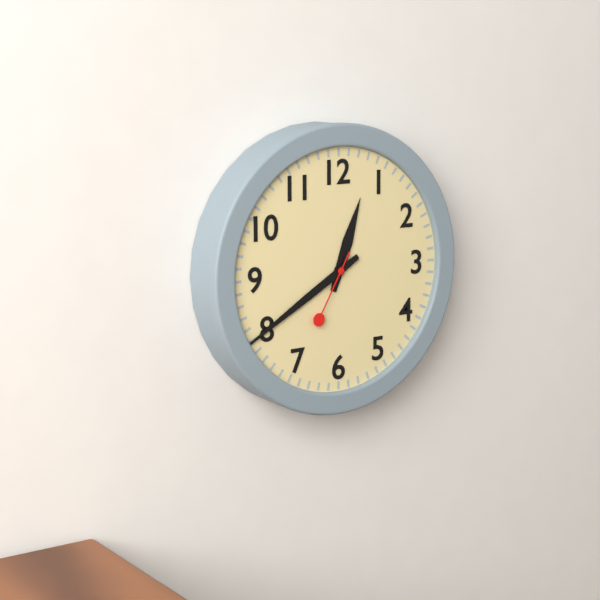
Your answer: 12 h 40 min 35 s
